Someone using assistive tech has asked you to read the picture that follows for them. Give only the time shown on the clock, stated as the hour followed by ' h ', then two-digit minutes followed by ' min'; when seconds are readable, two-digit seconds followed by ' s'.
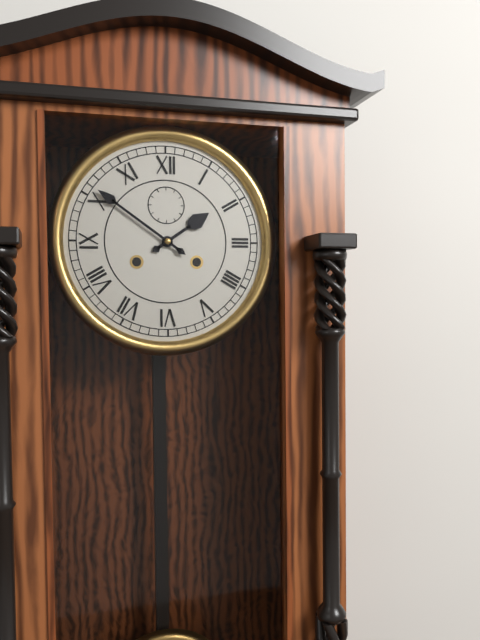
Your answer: 1 h 51 min
